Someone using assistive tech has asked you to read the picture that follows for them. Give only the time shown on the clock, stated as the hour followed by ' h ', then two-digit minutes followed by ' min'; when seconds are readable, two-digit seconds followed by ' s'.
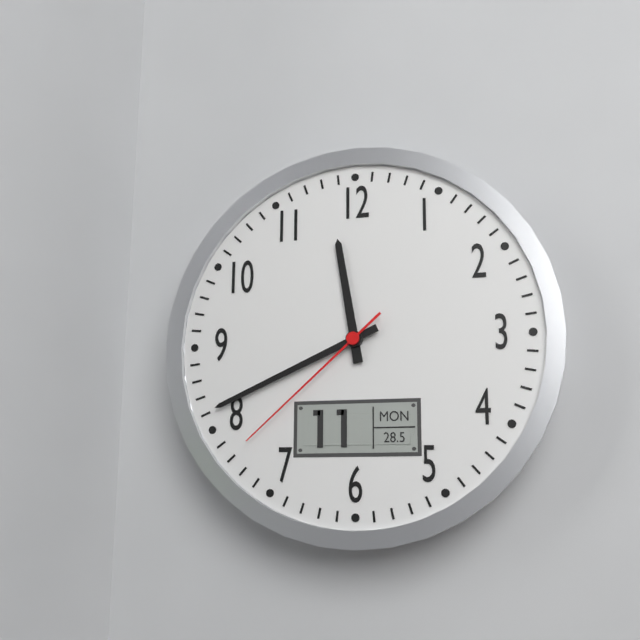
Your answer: 11 h 41 min 38 s
